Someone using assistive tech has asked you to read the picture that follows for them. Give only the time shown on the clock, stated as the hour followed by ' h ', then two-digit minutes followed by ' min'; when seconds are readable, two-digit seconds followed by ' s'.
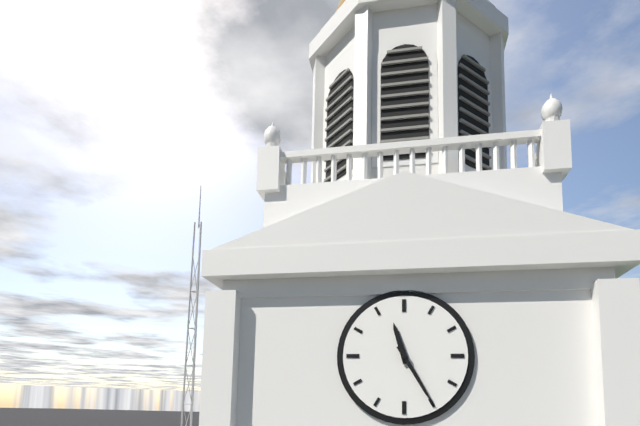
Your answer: 11 h 25 min
